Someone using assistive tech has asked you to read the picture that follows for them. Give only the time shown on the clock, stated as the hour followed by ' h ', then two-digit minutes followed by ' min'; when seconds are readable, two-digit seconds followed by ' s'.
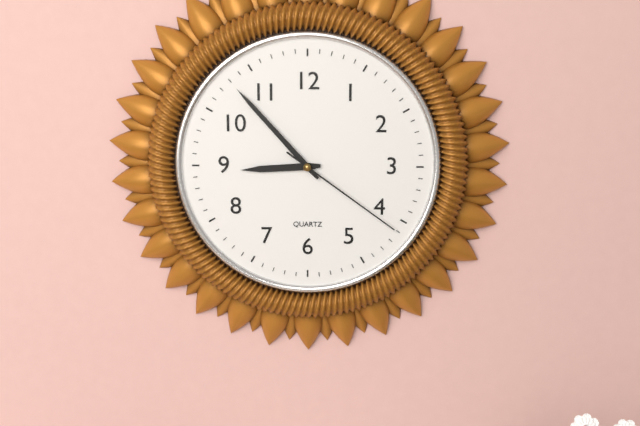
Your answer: 8 h 53 min 21 s
